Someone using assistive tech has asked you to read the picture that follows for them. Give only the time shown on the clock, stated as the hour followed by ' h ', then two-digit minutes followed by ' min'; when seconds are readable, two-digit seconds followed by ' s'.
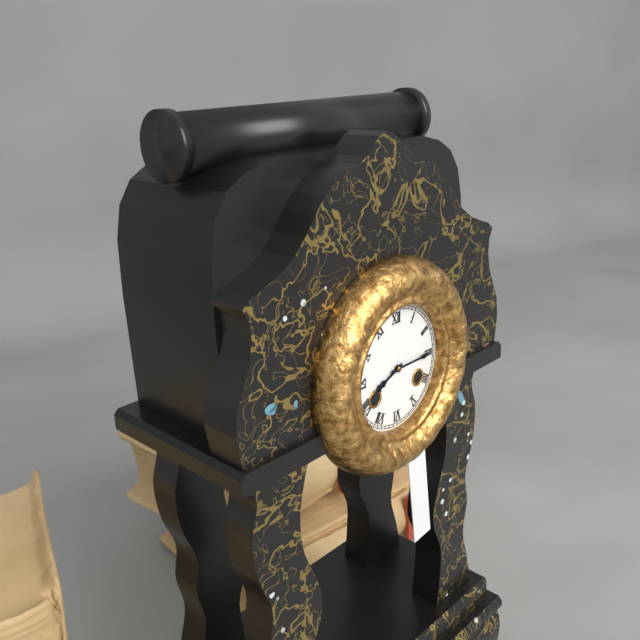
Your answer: 8 h 15 min
